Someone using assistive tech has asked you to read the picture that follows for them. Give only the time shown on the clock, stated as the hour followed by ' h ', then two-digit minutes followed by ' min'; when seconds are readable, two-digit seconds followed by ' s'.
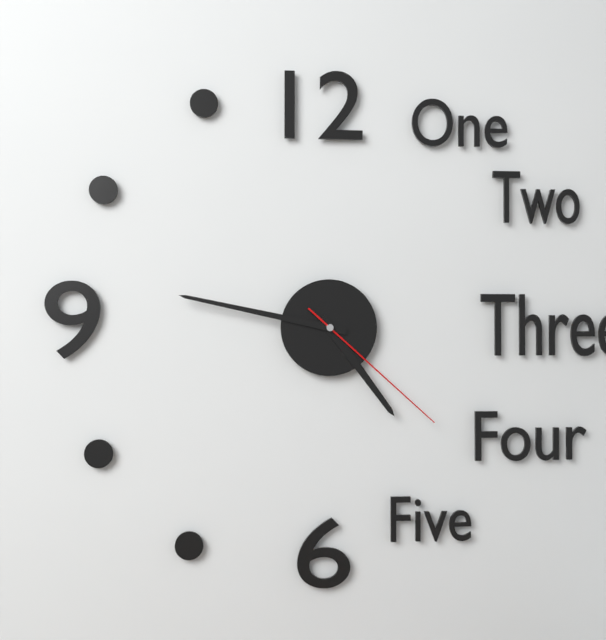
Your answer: 4 h 47 min 22 s
